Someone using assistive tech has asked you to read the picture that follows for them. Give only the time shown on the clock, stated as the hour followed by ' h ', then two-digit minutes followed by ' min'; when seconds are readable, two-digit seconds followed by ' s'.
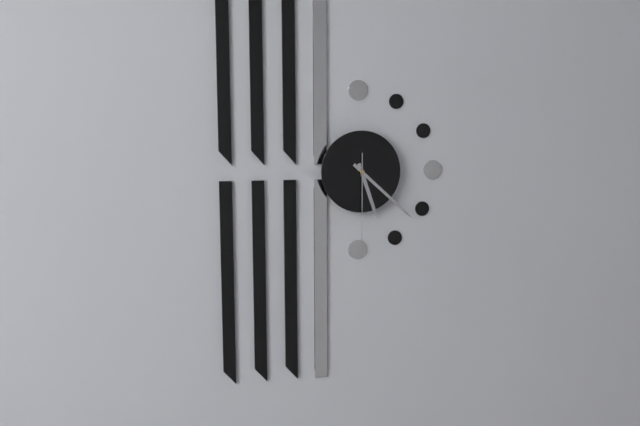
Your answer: 5 h 22 min 30 s
